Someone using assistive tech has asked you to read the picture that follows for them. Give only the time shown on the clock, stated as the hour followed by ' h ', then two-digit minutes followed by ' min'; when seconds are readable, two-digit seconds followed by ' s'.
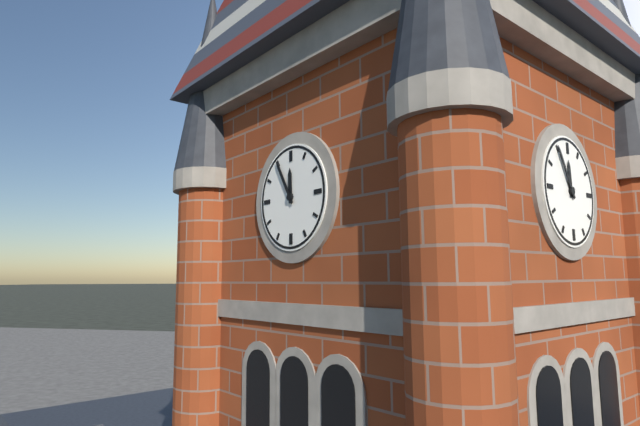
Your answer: 11 h 55 min
